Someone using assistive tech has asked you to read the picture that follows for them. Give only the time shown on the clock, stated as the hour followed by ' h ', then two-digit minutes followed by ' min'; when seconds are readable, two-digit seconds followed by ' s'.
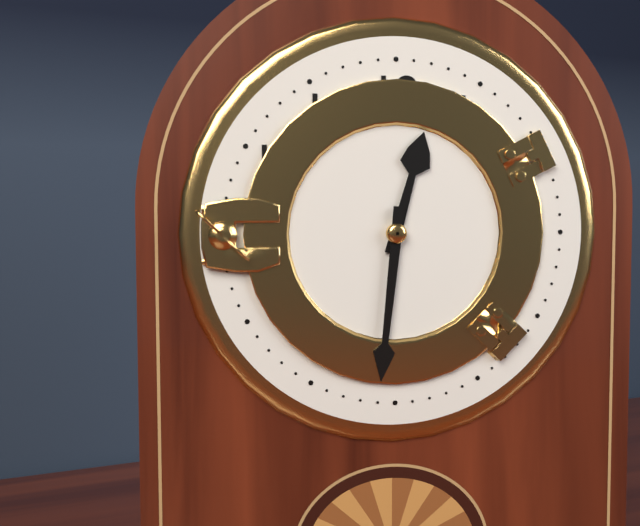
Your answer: 12 h 31 min
